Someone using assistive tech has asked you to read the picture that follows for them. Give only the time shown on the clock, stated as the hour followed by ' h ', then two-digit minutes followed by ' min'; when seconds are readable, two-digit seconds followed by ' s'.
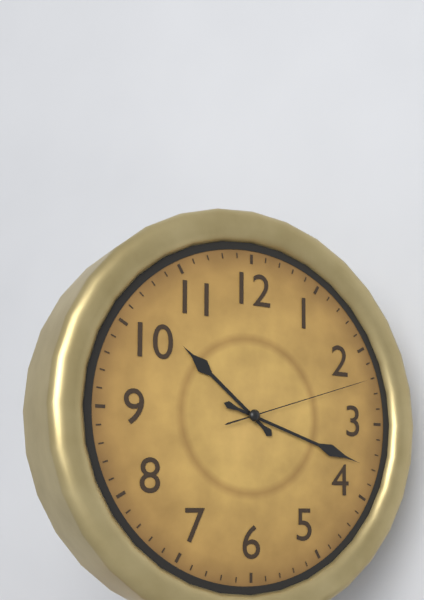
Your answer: 10 h 18 min 12 s
